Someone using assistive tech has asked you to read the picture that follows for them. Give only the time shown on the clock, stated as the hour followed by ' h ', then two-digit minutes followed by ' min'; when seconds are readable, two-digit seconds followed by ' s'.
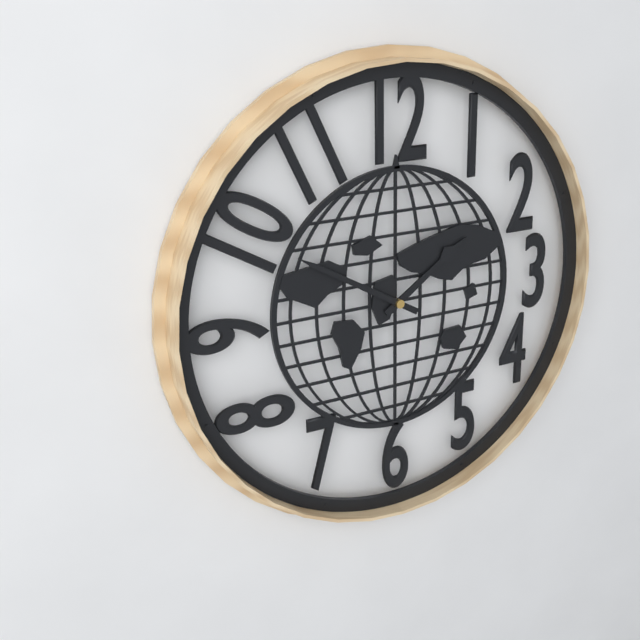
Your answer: 1 h 50 min
